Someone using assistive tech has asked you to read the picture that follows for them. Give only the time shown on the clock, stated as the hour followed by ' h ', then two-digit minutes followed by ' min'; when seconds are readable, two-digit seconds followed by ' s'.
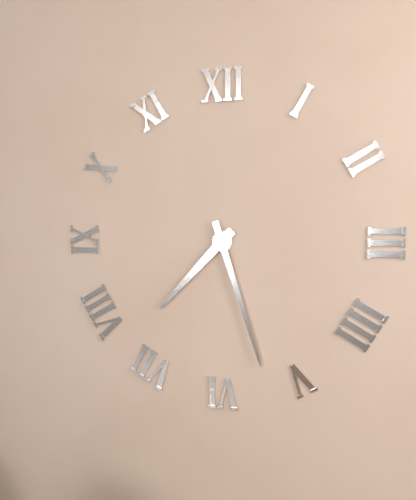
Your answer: 7 h 27 min
